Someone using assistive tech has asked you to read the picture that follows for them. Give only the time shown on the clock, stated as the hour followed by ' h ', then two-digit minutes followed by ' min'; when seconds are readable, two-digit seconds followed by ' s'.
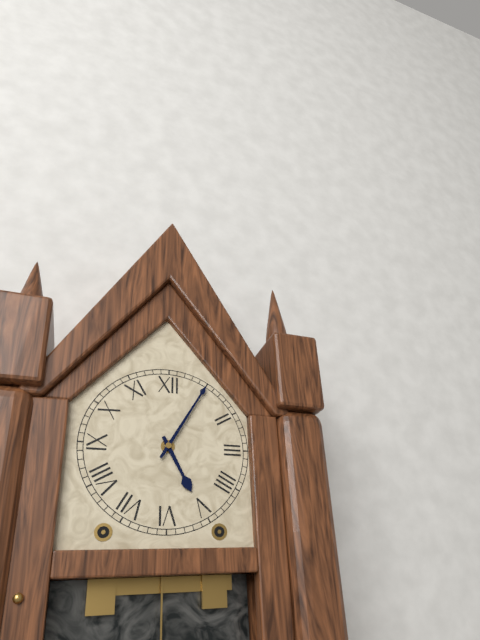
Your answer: 5 h 05 min
